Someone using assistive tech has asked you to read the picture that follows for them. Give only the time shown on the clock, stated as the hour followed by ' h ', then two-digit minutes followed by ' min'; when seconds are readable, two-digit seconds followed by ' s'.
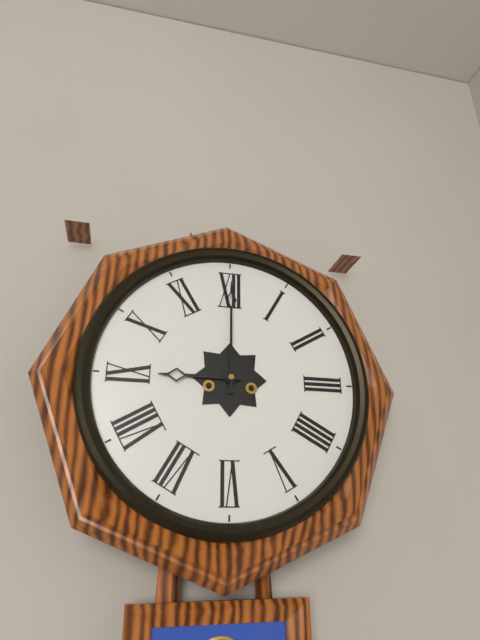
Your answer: 9 h 00 min
